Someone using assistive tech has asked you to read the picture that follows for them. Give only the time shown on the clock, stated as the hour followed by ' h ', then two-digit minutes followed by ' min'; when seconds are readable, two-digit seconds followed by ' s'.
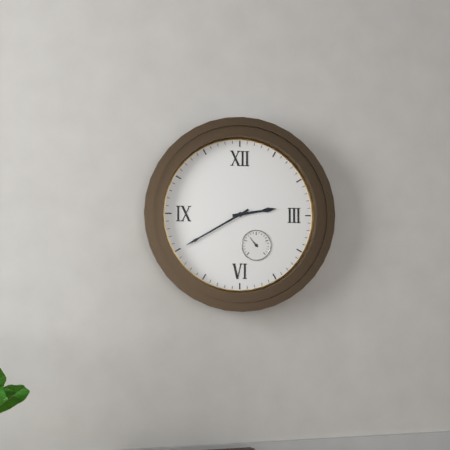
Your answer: 2 h 40 min
